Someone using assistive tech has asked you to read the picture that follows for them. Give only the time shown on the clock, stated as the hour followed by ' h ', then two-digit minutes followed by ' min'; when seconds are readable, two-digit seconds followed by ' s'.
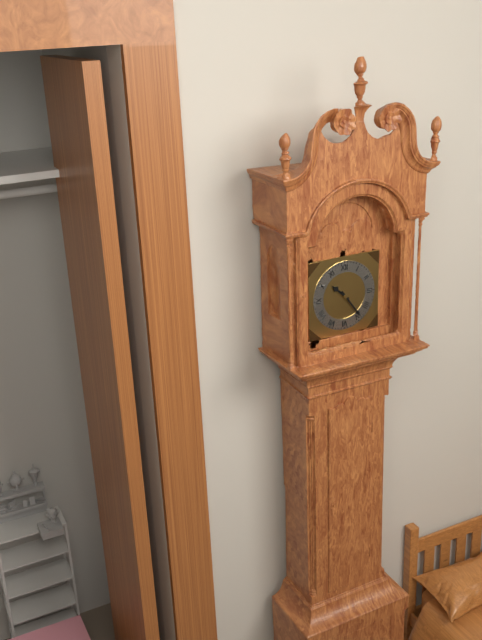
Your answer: 10 h 24 min
